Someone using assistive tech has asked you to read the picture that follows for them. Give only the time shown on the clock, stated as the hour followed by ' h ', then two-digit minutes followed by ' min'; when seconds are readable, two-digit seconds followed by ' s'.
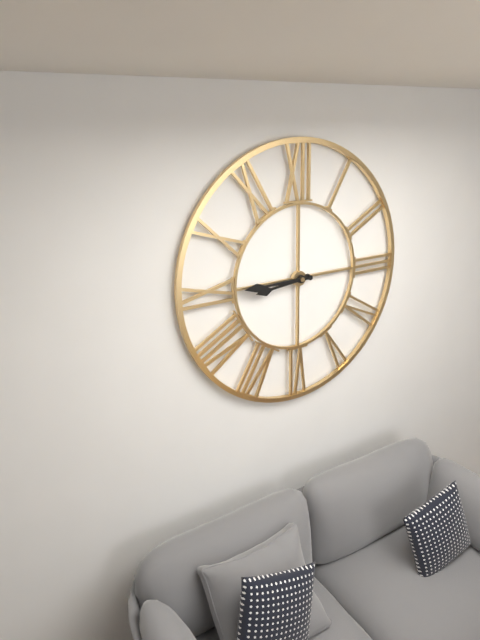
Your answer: 8 h 45 min
